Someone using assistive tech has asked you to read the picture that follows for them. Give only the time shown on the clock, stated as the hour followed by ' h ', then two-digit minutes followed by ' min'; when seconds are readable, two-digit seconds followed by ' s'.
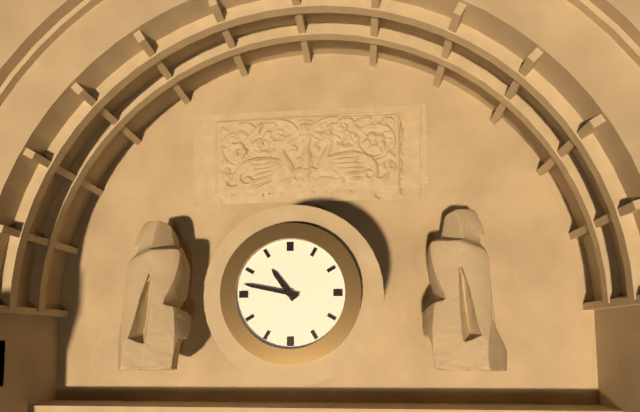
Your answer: 10 h 47 min
